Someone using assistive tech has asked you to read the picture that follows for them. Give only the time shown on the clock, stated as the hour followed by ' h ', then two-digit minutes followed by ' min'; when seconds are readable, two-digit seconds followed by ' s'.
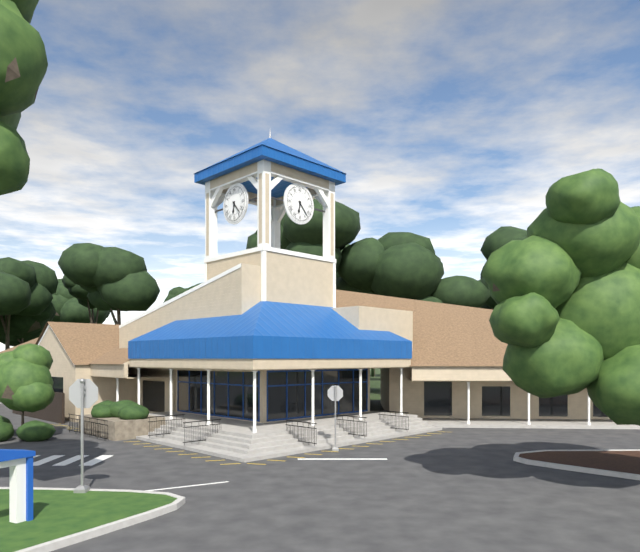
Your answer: 6 h 23 min
